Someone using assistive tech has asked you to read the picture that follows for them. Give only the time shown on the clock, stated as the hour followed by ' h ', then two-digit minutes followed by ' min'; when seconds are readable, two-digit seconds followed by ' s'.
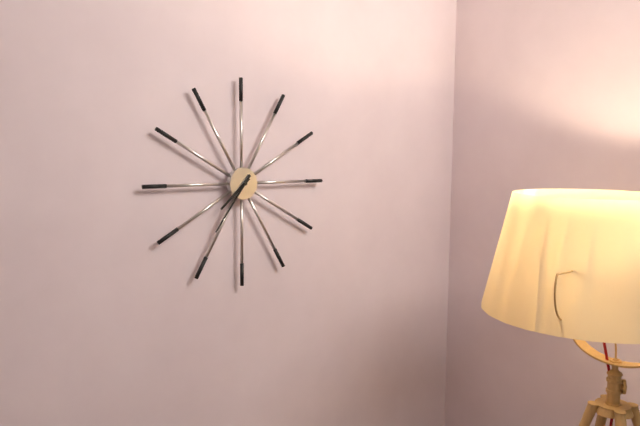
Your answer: 7 h 36 min
